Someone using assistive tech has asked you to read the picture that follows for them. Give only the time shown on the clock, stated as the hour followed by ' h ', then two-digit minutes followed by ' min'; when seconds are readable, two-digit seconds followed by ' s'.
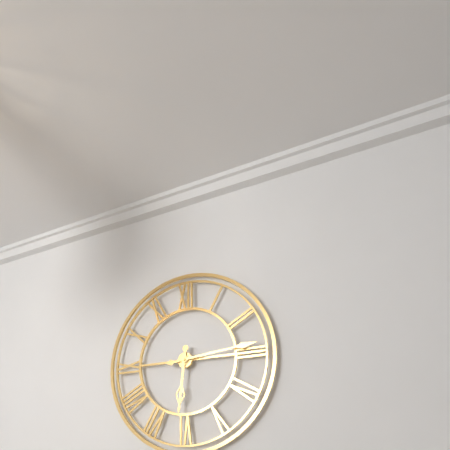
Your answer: 6 h 14 min
